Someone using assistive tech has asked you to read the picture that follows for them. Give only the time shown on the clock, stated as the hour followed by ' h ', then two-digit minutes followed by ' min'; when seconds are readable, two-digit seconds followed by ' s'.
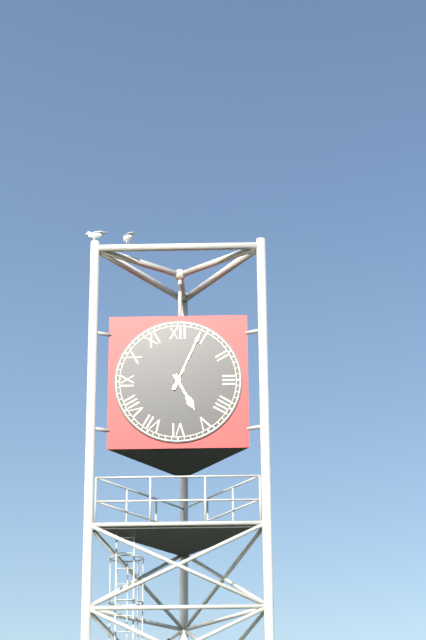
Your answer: 5 h 04 min
